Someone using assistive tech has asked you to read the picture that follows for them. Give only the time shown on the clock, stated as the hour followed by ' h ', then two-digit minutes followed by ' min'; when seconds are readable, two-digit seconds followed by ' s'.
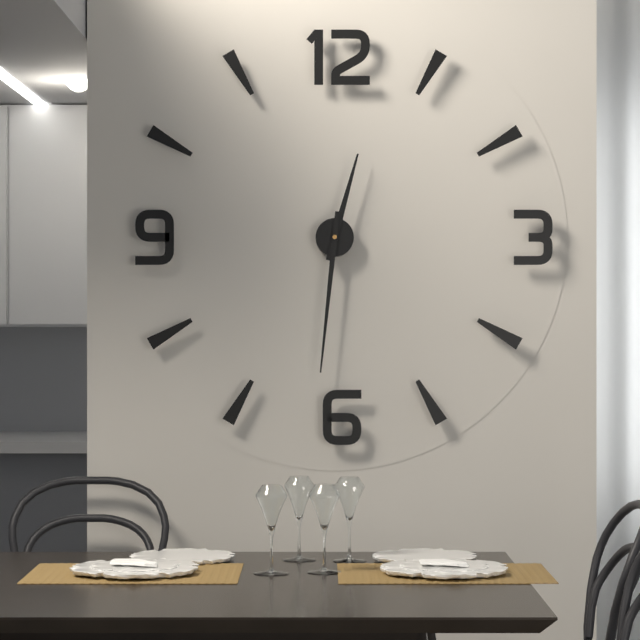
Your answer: 12 h 31 min
